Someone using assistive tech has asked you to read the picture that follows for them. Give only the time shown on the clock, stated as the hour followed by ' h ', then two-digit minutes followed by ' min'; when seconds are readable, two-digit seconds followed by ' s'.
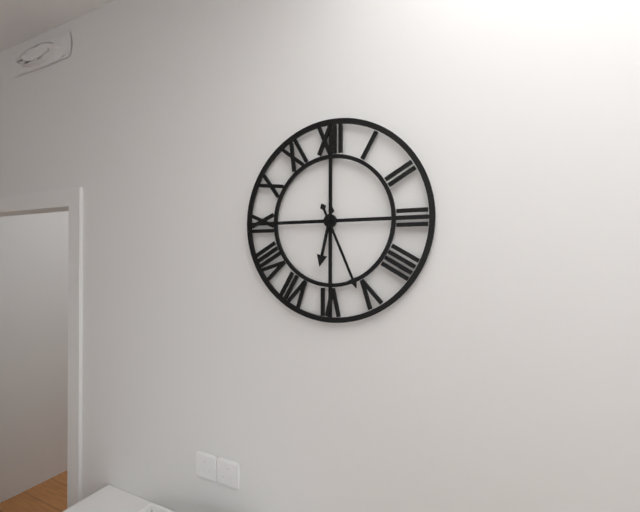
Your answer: 6 h 26 min
